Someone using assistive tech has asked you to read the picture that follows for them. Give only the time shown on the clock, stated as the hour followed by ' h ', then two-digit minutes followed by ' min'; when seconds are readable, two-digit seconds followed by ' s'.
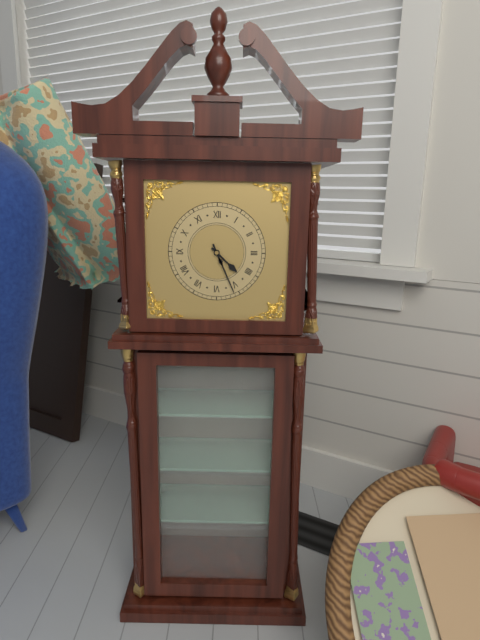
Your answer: 4 h 26 min
